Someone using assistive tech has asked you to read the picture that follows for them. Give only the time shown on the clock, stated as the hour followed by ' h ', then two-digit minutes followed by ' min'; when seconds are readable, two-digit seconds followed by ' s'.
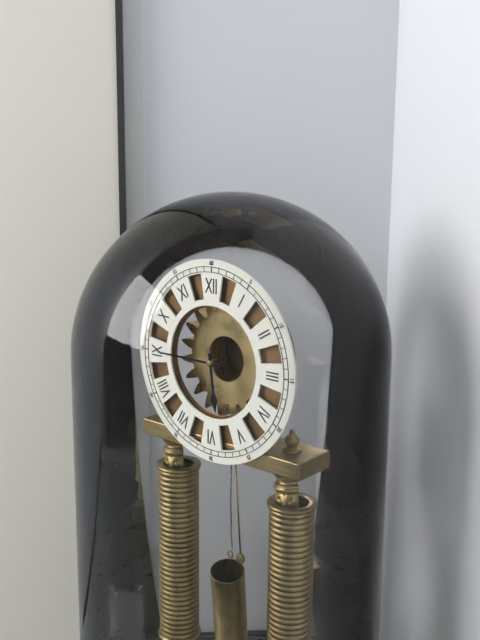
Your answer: 5 h 45 min
